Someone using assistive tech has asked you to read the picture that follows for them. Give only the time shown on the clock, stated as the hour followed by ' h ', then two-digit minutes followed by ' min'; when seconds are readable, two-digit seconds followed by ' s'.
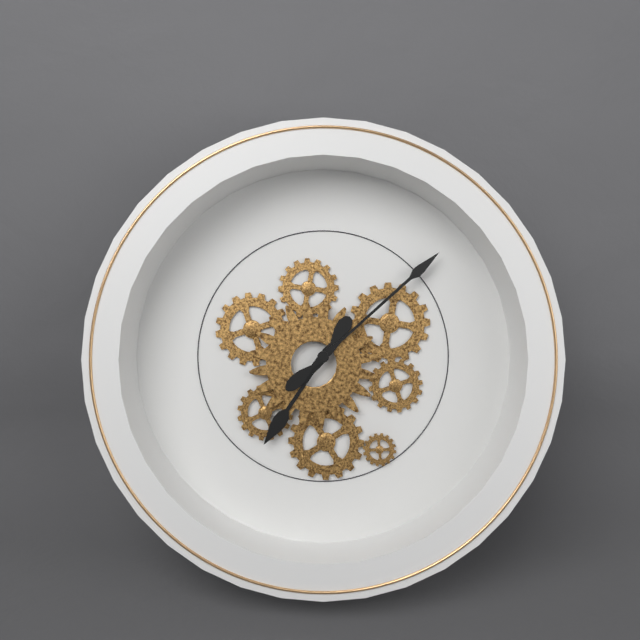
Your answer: 7 h 08 min
